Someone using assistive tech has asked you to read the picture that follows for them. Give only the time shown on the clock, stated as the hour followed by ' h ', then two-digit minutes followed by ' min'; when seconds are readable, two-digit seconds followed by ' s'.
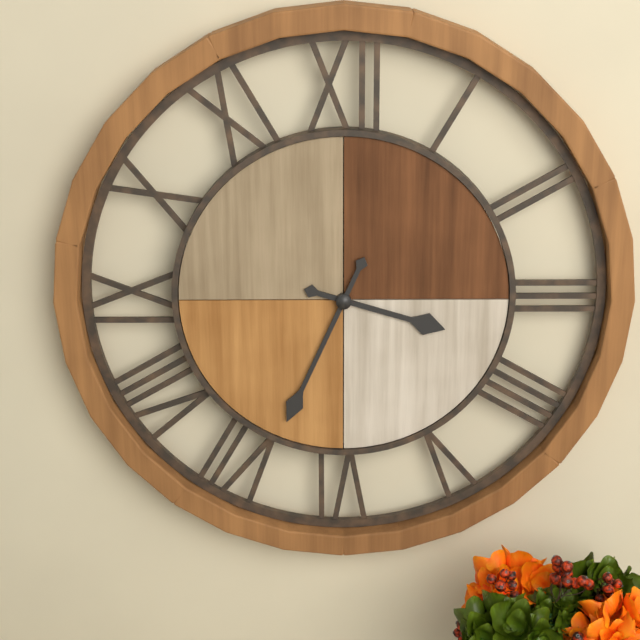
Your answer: 3 h 34 min
